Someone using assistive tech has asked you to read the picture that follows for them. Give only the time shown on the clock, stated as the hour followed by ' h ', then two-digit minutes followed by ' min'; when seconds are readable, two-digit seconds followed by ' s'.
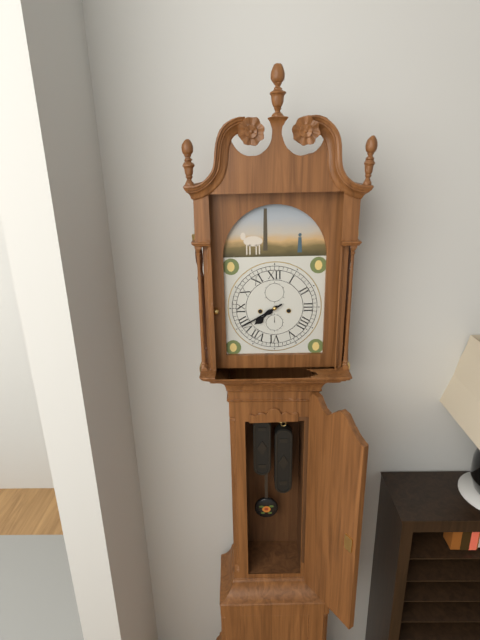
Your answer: 7 h 40 min
